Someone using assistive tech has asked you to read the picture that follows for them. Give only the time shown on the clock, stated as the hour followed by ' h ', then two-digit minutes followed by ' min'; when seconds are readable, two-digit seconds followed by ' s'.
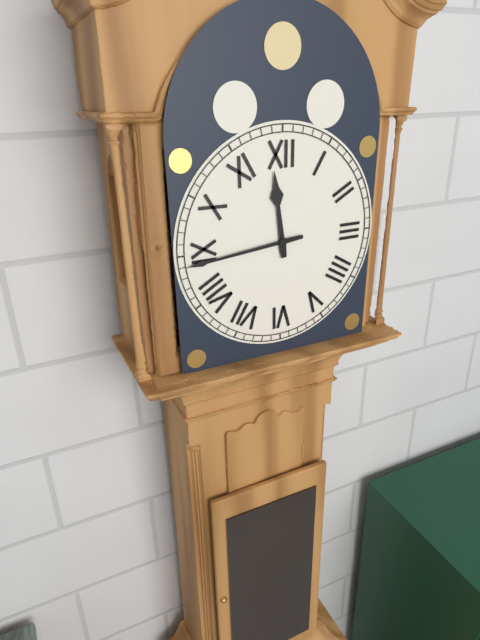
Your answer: 11 h 44 min
